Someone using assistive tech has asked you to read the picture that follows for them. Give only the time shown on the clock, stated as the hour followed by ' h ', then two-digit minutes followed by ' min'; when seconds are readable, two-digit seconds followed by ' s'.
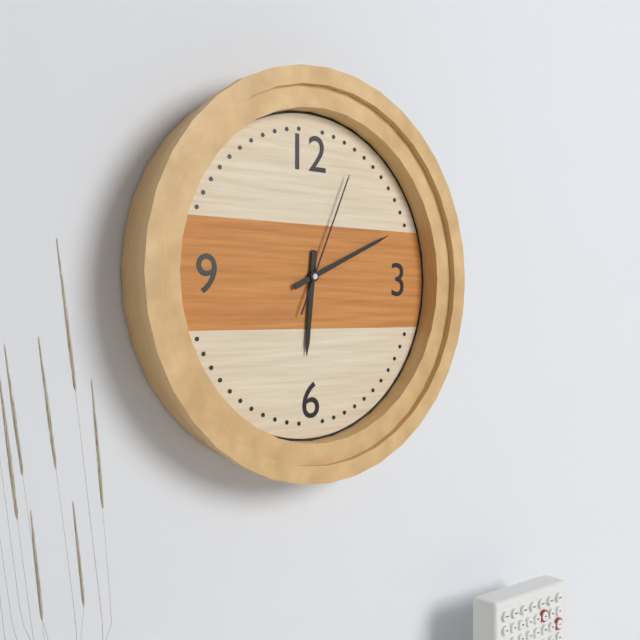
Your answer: 6 h 11 min 04 s
